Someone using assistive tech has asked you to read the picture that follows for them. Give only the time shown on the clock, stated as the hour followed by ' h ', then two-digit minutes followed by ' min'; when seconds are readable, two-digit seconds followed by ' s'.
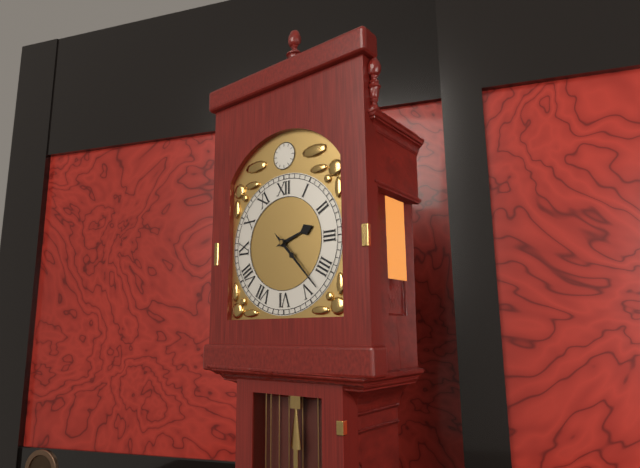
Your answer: 2 h 23 min
